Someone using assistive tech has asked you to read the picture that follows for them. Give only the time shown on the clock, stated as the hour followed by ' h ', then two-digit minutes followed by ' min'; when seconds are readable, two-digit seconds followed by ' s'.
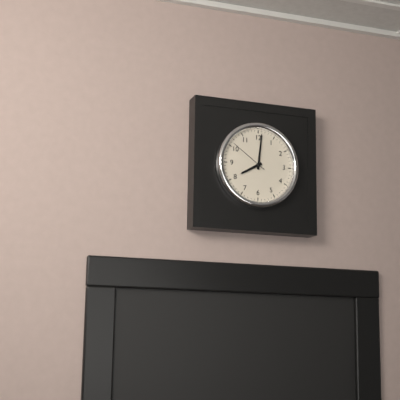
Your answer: 8 h 01 min
